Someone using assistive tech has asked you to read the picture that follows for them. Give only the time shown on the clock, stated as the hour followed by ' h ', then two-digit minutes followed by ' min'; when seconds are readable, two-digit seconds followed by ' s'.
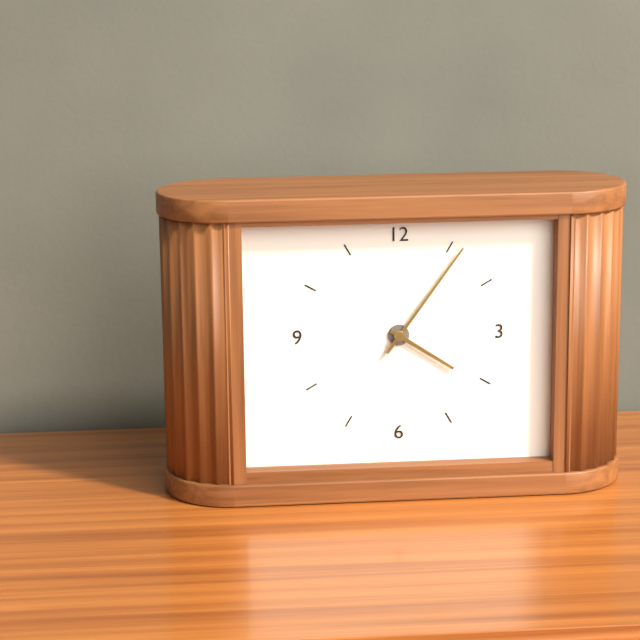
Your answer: 4 h 06 min
